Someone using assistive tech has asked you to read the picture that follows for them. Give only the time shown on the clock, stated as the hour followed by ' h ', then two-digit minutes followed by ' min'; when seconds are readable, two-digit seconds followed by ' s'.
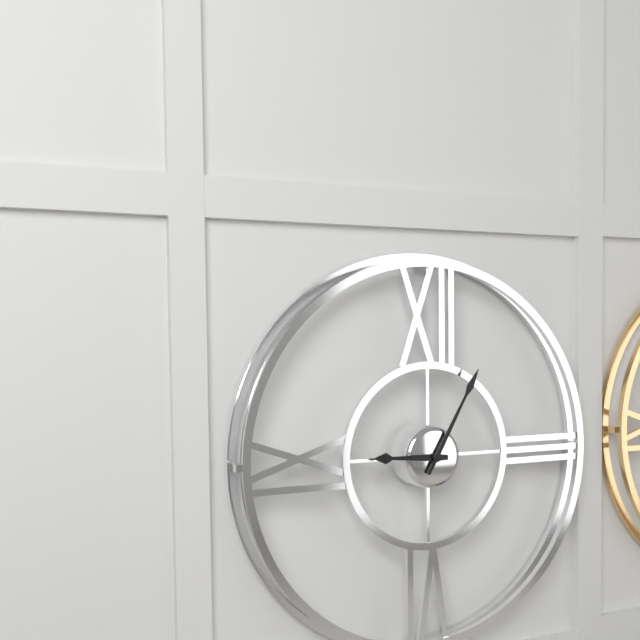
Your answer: 9 h 05 min
